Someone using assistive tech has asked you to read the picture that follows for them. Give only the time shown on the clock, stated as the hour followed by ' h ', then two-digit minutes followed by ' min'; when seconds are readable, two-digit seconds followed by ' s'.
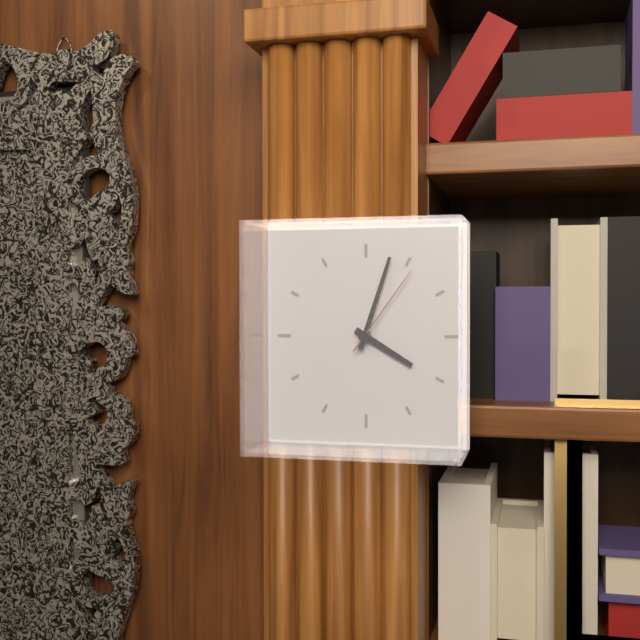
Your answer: 4 h 03 min 06 s
